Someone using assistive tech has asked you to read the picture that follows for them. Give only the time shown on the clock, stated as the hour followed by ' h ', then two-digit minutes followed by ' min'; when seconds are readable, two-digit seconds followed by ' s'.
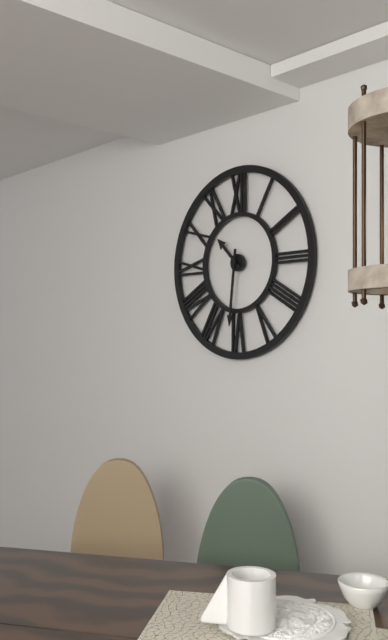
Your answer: 10 h 31 min
